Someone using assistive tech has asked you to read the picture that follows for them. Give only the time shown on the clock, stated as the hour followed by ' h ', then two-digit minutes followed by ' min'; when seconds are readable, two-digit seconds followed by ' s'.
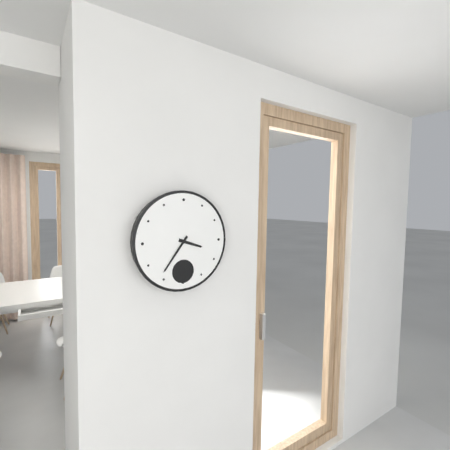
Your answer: 3 h 36 min
